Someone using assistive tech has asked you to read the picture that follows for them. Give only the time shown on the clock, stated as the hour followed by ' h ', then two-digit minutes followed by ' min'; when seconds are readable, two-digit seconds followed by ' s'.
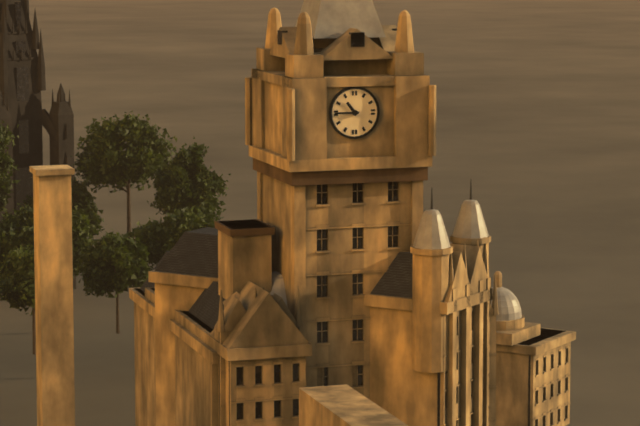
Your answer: 10 h 45 min
